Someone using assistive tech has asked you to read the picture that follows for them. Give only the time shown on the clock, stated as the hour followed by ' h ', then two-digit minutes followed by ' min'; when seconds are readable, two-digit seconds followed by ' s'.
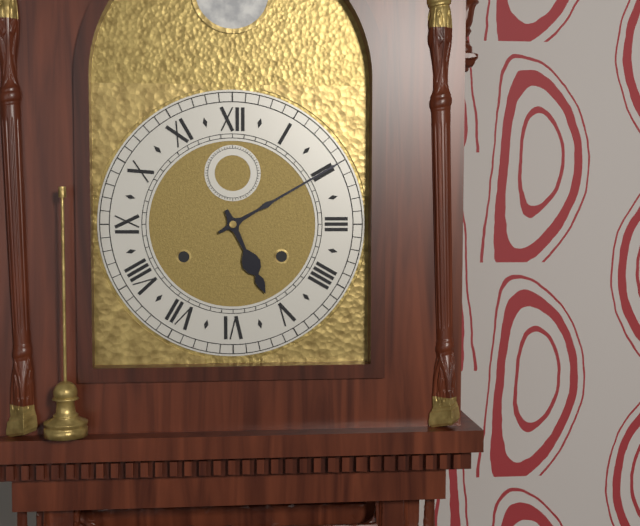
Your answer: 5 h 10 min
